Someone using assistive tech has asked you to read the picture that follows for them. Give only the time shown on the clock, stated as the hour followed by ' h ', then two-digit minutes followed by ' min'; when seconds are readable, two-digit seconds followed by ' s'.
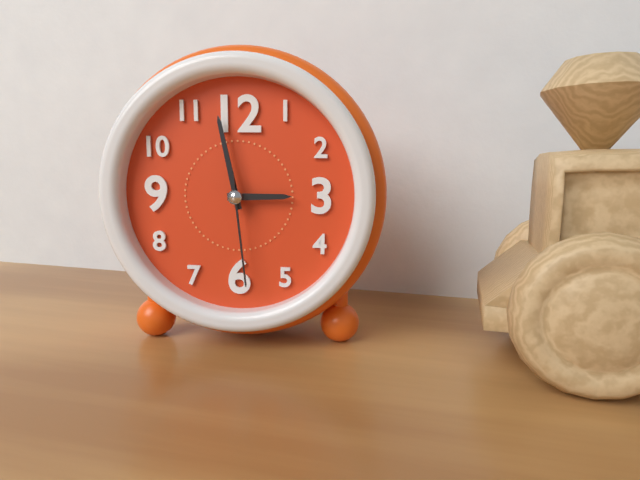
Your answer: 2 h 58 min 29 s
